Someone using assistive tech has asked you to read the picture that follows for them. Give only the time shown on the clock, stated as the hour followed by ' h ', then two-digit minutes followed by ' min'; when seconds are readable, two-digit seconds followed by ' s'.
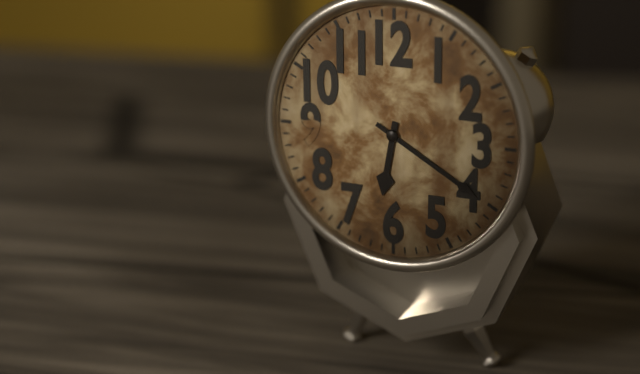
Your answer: 6 h 20 min
